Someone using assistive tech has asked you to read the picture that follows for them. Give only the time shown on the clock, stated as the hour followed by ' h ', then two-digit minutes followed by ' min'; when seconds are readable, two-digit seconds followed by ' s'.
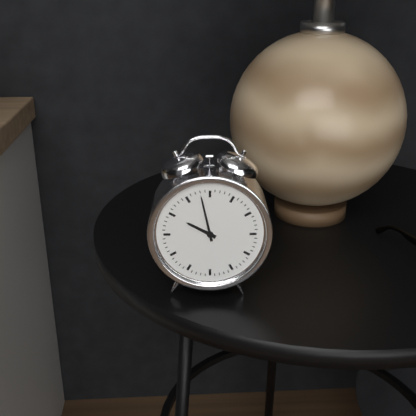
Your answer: 9 h 58 min
